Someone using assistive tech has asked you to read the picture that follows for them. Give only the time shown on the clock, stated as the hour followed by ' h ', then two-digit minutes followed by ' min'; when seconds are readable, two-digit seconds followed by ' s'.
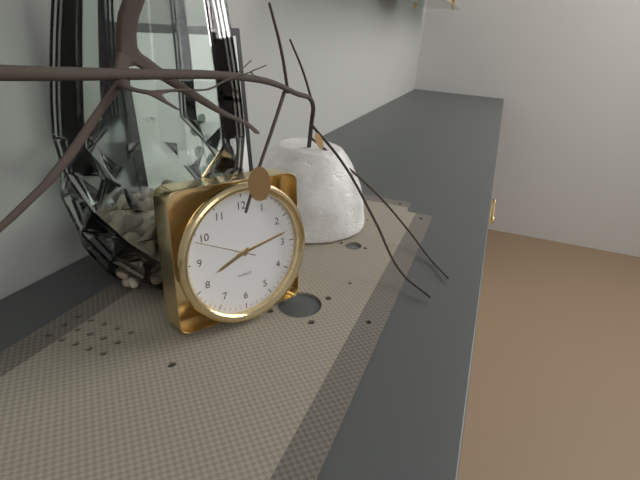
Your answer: 8 h 13 min 49 s
